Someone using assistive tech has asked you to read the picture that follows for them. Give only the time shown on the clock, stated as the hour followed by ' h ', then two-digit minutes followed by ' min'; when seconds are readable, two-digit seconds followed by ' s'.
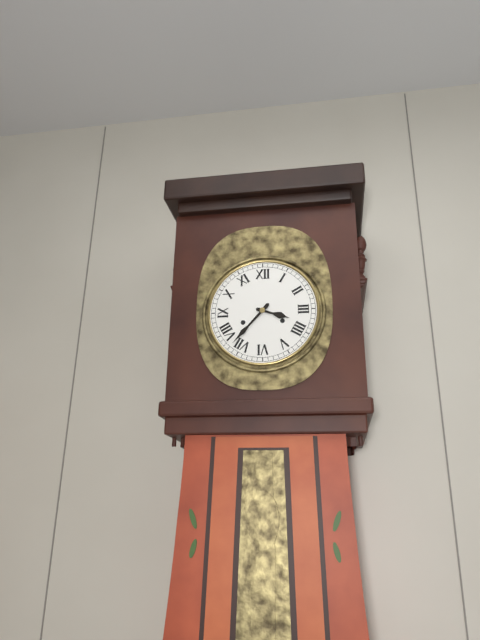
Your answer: 3 h 37 min
